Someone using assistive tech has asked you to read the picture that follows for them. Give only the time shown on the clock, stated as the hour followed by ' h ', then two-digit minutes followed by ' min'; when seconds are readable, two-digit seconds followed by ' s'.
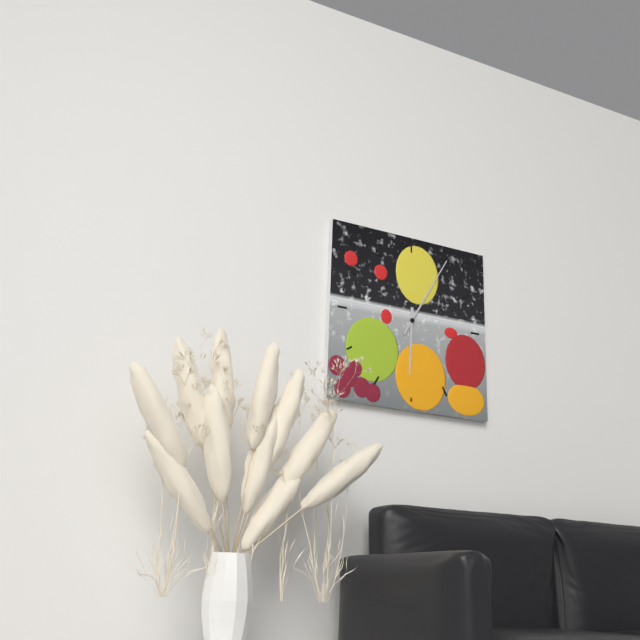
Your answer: 6 h 05 min
